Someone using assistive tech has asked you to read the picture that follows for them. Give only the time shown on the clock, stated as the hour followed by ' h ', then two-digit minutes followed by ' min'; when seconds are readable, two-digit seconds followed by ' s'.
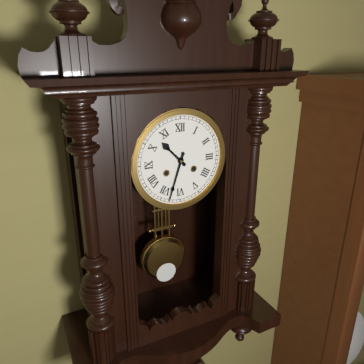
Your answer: 10 h 33 min
